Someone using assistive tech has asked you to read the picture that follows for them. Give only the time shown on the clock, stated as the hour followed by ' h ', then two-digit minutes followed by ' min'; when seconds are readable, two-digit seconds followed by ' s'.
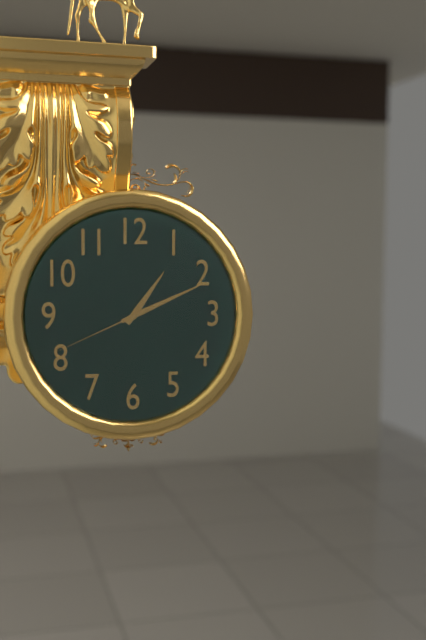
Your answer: 1 h 11 min 41 s
